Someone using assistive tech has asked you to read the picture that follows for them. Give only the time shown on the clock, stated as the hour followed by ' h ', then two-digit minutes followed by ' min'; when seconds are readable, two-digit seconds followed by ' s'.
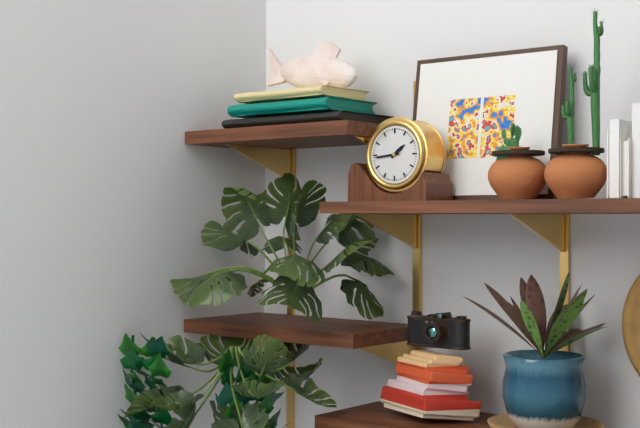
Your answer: 1 h 44 min
